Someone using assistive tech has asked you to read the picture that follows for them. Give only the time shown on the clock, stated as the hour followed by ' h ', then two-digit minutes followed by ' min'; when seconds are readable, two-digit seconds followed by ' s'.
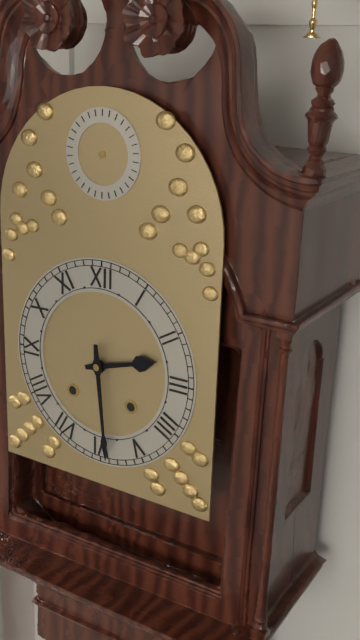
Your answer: 2 h 29 min
